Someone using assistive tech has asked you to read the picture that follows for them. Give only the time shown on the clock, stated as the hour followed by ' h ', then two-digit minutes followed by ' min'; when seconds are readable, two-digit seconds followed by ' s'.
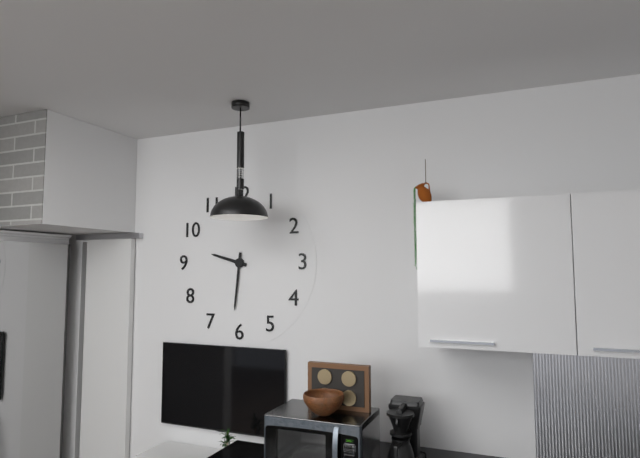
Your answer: 9 h 31 min
